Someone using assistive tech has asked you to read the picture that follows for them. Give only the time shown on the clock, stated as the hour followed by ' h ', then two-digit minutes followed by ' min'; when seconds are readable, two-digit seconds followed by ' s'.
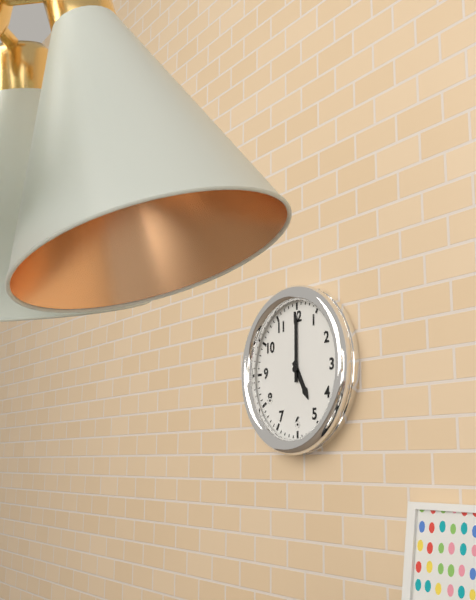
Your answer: 5 h 00 min
